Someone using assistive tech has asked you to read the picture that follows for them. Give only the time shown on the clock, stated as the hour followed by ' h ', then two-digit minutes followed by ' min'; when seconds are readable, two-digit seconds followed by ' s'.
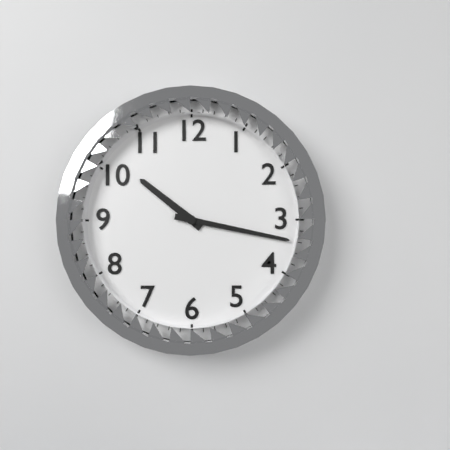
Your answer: 10 h 17 min
